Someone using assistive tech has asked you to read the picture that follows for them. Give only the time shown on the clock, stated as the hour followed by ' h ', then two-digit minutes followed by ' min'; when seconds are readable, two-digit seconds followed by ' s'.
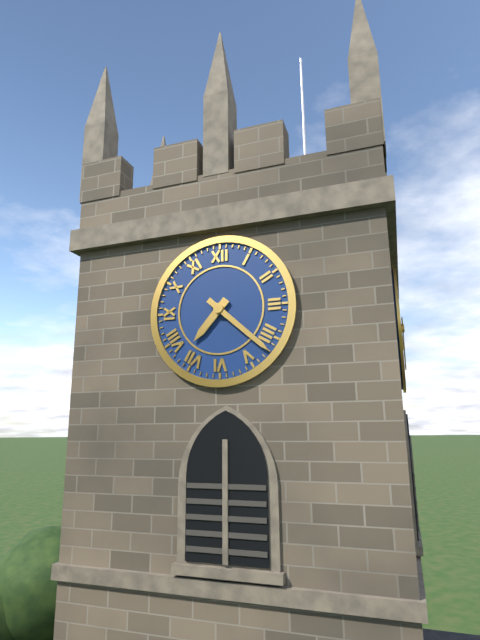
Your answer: 7 h 22 min
